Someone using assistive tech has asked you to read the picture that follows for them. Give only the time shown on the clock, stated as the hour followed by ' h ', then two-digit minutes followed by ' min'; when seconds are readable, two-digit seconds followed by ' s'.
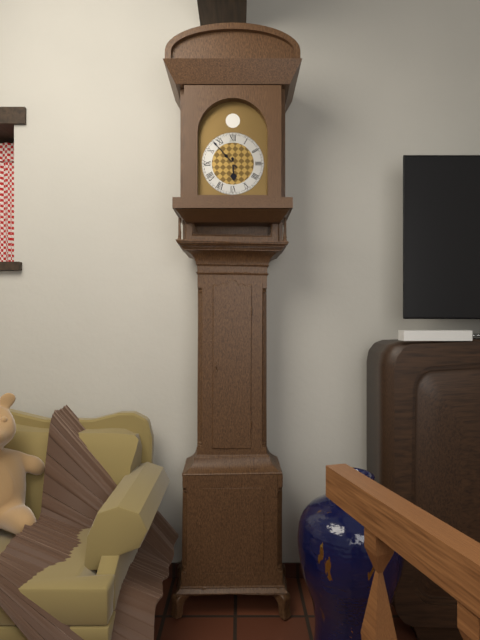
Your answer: 5 h 53 min
